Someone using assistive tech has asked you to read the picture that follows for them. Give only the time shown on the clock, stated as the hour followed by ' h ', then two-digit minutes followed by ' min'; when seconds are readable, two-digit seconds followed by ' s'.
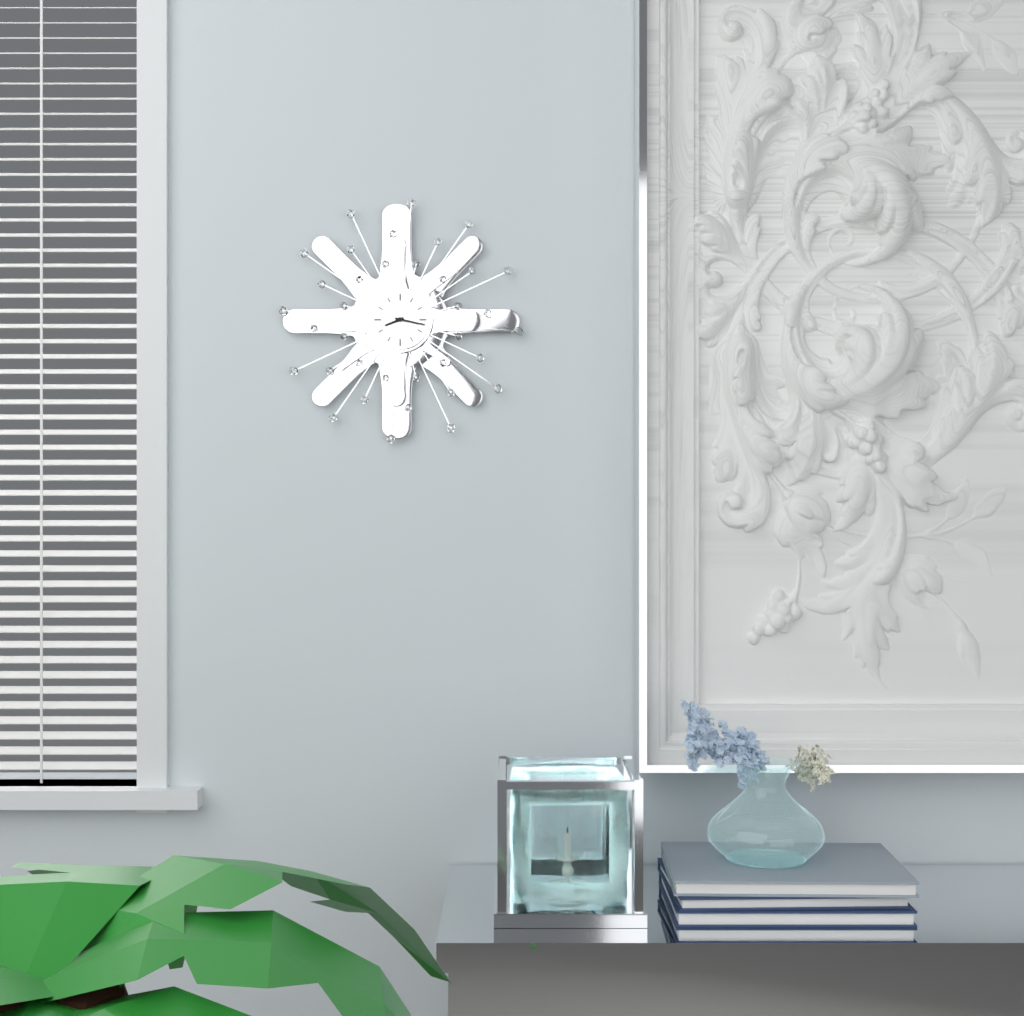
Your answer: 8 h 17 min
